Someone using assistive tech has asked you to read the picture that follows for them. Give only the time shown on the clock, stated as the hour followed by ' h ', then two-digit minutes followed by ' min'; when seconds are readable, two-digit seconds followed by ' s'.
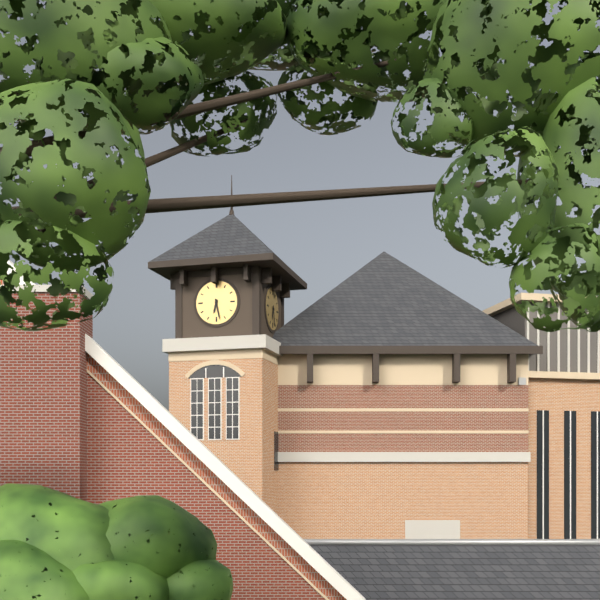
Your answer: 6 h 28 min
